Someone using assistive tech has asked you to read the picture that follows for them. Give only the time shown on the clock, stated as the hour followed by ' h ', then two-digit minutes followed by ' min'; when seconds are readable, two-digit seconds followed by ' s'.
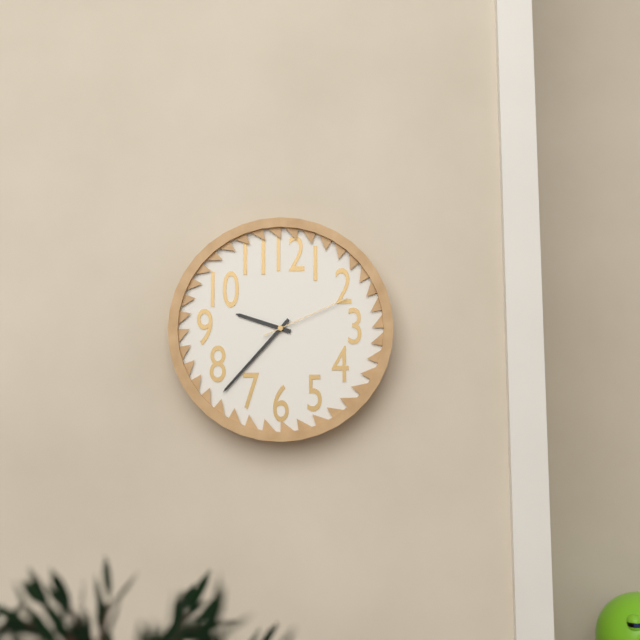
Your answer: 9 h 37 min 11 s
